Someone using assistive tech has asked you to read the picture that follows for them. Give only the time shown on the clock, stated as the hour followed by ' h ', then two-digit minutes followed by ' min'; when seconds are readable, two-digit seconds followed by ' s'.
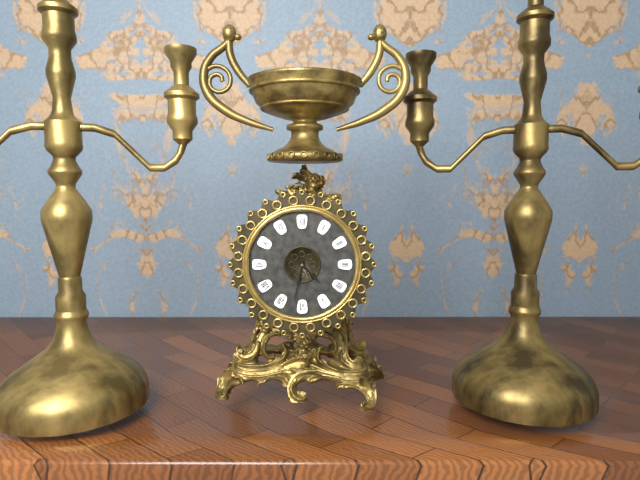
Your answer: 4 h 32 min
